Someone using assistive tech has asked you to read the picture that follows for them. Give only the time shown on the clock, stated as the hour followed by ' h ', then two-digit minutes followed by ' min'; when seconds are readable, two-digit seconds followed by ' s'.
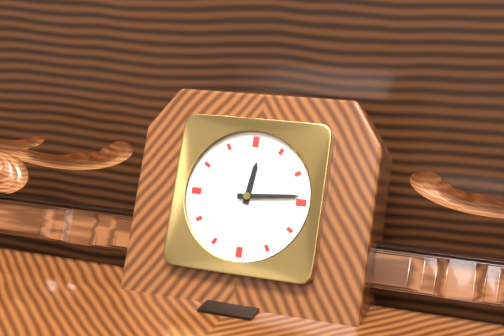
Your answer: 12 h 14 min
